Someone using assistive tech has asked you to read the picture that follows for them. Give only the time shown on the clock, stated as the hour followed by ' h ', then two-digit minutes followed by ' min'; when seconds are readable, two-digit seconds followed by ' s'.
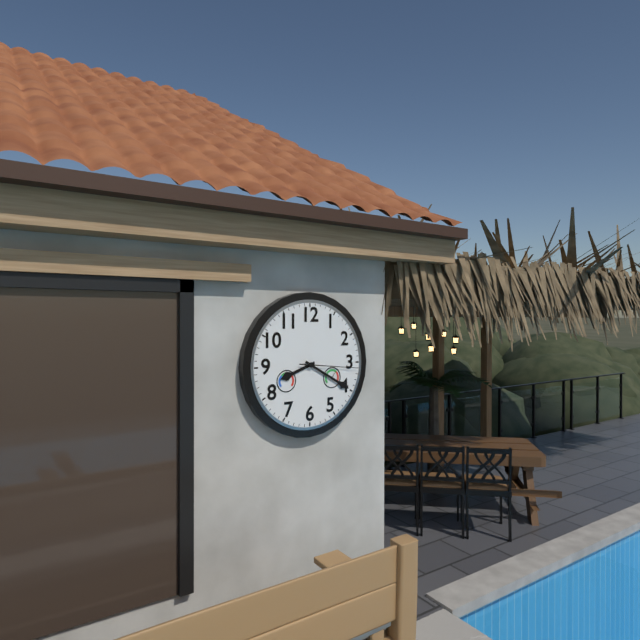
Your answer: 8 h 20 min 16 s
